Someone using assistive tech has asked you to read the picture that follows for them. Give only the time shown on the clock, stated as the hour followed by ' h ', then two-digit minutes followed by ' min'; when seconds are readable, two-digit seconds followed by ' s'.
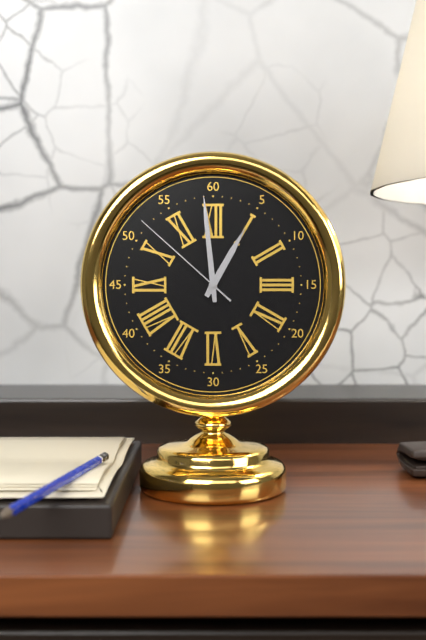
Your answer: 12 h 59 min 52 s
